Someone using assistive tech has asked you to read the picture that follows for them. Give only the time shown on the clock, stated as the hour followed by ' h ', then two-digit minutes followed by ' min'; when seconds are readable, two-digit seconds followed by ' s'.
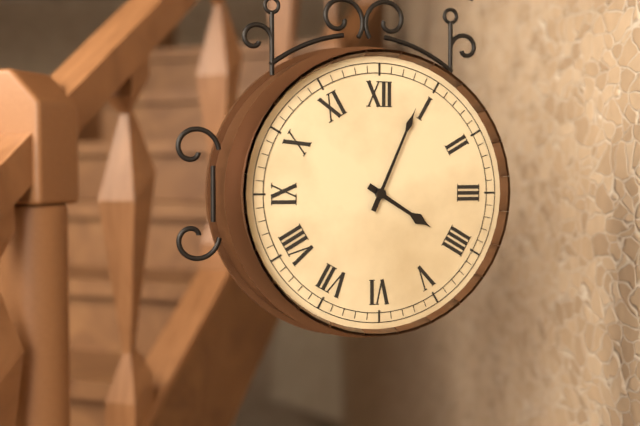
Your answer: 4 h 04 min
